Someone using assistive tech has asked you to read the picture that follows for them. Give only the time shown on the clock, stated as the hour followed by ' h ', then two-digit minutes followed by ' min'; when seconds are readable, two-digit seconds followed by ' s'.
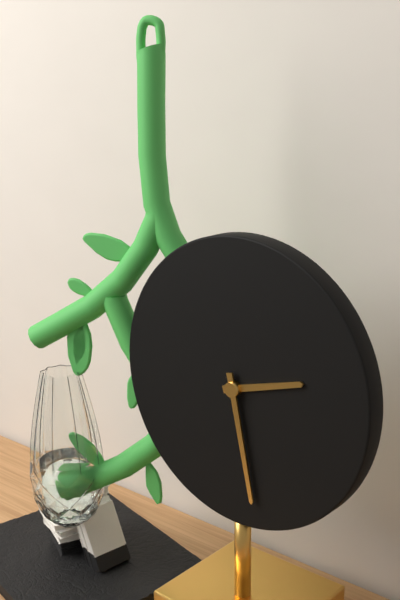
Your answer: 2 h 28 min
